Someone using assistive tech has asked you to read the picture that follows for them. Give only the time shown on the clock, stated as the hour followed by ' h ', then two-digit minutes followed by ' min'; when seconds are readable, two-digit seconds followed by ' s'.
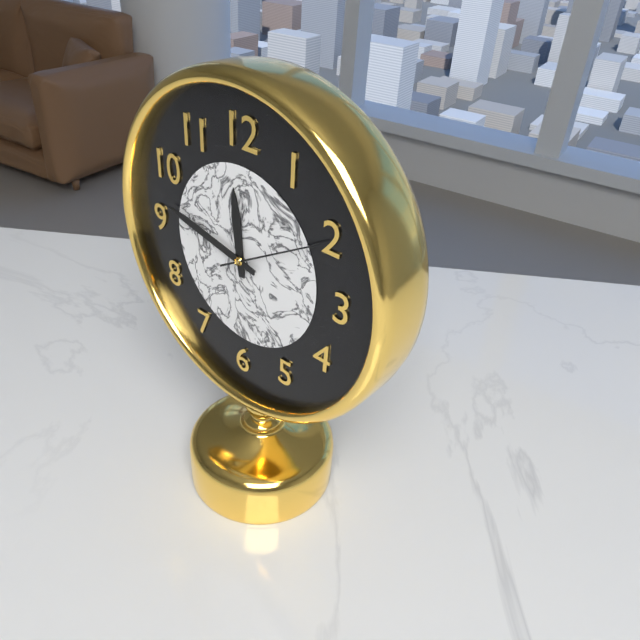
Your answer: 11 h 47 min 10 s
